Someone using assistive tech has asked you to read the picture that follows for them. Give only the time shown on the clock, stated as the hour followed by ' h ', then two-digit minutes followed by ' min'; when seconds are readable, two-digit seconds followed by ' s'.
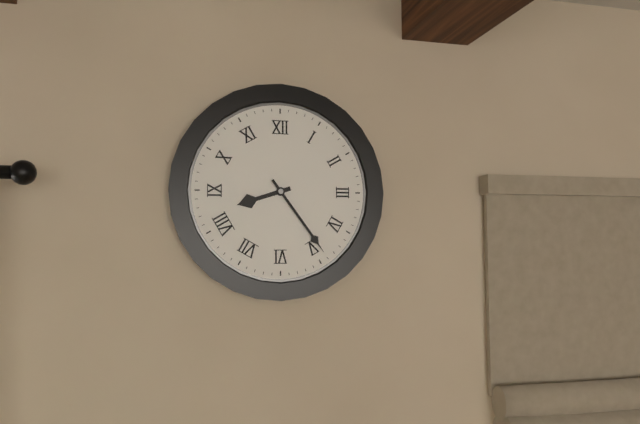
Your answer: 8 h 24 min
